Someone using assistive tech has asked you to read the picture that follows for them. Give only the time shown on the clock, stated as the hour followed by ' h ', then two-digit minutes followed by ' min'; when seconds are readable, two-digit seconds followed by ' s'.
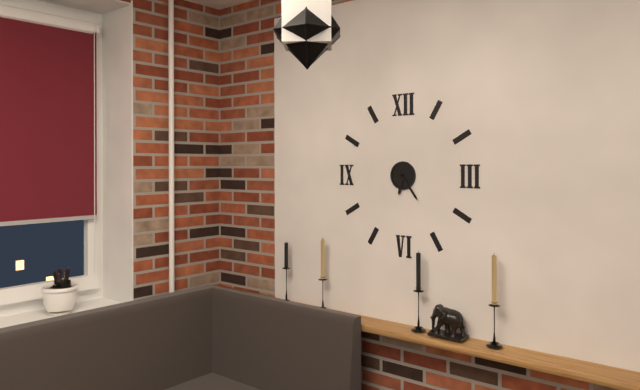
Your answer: 6 h 24 min
